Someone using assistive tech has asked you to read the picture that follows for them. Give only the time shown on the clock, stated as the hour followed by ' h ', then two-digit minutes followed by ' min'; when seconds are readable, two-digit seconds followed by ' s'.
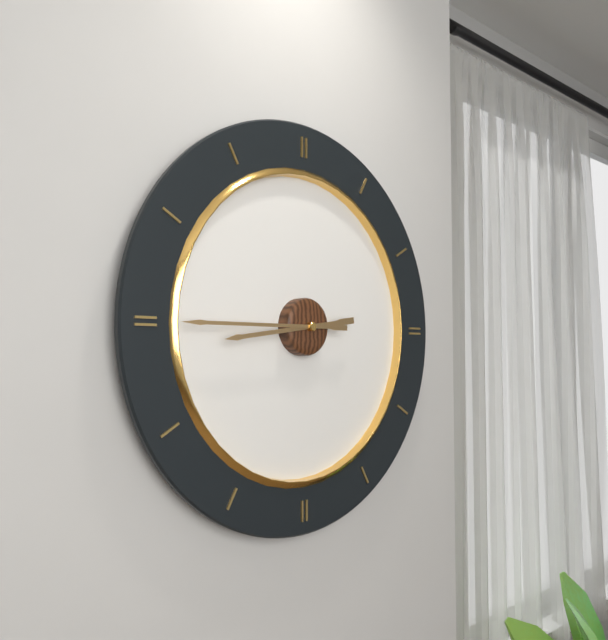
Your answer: 8 h 45 min
